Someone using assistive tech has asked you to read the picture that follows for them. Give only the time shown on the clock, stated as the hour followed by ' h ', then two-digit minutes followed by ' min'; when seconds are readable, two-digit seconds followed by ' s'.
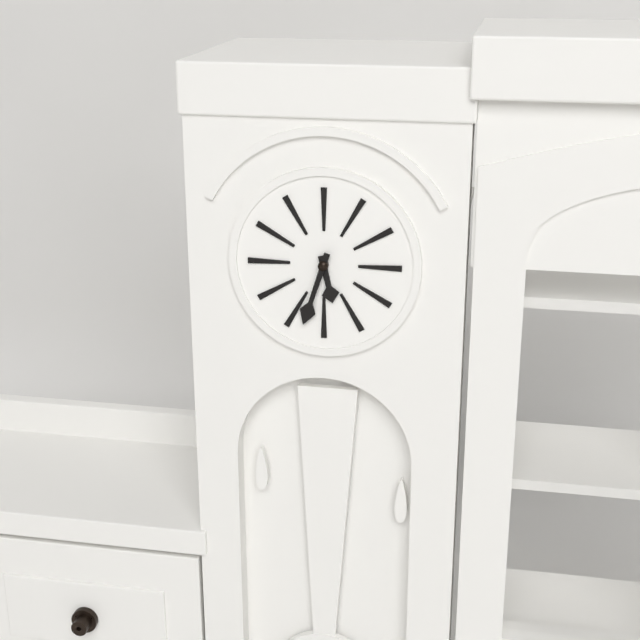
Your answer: 5 h 33 min
